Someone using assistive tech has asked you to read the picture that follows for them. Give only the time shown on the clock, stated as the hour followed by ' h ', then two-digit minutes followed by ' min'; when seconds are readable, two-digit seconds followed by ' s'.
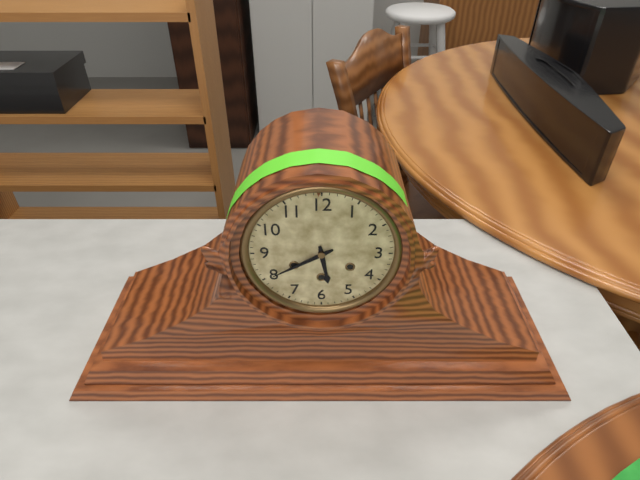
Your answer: 5 h 40 min
